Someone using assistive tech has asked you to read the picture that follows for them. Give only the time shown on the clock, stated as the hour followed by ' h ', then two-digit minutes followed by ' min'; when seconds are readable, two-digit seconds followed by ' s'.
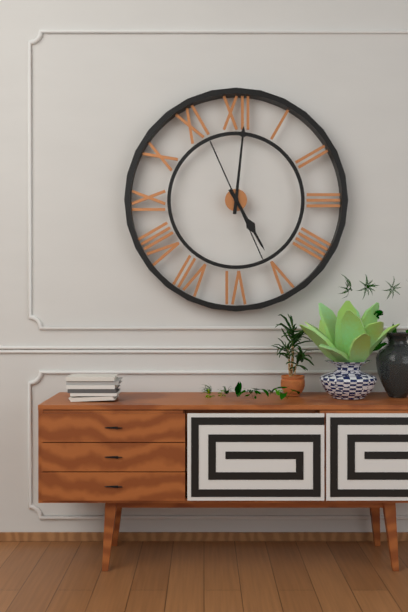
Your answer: 5 h 01 min 26 s
